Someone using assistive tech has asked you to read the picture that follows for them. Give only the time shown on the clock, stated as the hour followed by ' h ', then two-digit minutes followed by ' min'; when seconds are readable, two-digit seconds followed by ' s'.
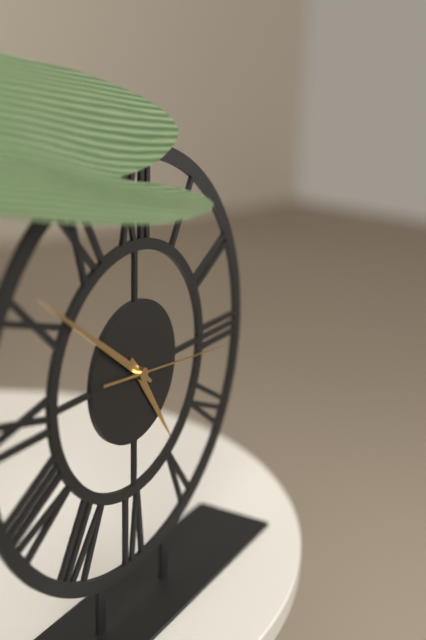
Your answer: 4 h 51 min 16 s
